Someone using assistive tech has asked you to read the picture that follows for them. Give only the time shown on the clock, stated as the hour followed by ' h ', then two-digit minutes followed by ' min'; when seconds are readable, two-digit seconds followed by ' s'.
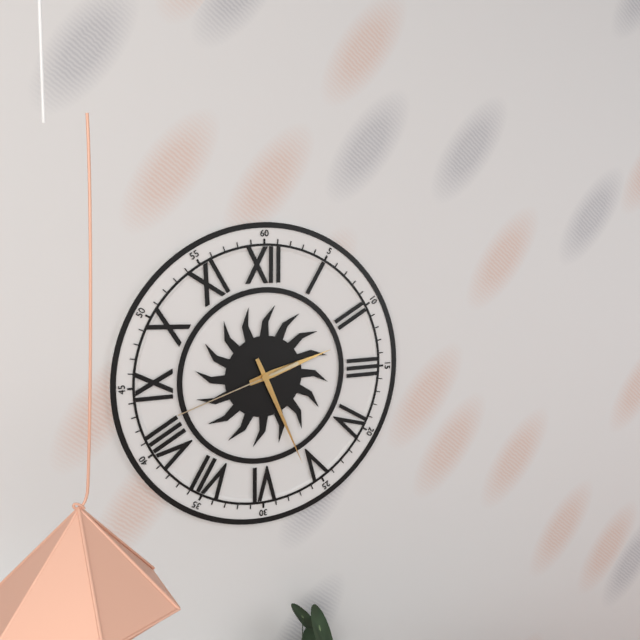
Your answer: 2 h 26 min 42 s
